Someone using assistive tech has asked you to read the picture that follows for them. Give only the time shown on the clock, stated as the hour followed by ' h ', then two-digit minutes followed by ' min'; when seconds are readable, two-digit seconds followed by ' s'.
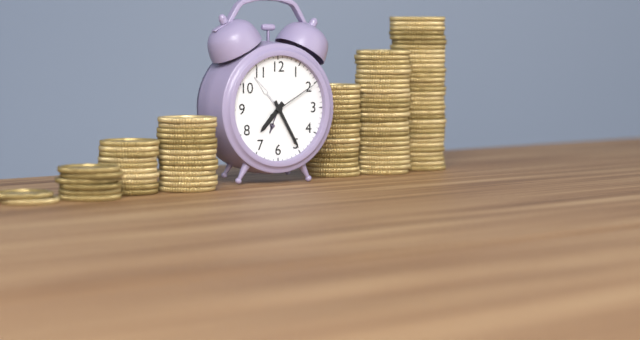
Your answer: 7 h 25 min 10 s
